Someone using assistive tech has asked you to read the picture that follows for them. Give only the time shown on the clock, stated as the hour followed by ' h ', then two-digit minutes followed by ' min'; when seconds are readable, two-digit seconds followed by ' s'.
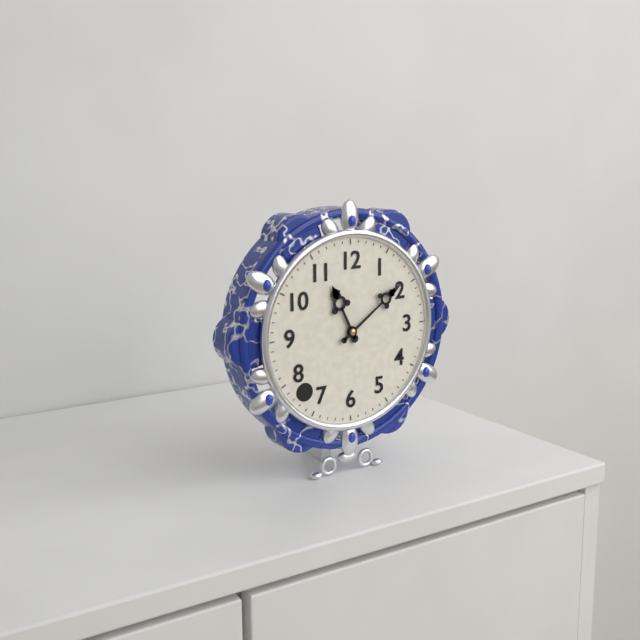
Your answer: 11 h 09 min
